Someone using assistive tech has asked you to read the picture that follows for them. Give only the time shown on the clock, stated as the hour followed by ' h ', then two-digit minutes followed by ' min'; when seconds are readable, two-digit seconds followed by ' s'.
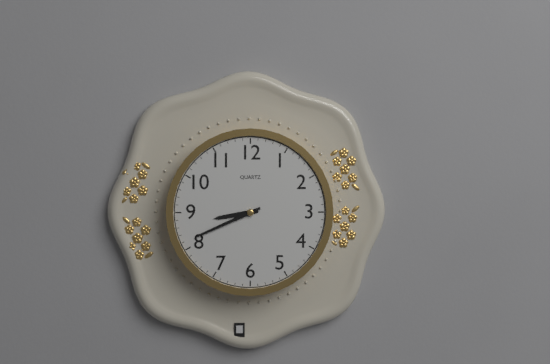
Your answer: 8 h 41 min
